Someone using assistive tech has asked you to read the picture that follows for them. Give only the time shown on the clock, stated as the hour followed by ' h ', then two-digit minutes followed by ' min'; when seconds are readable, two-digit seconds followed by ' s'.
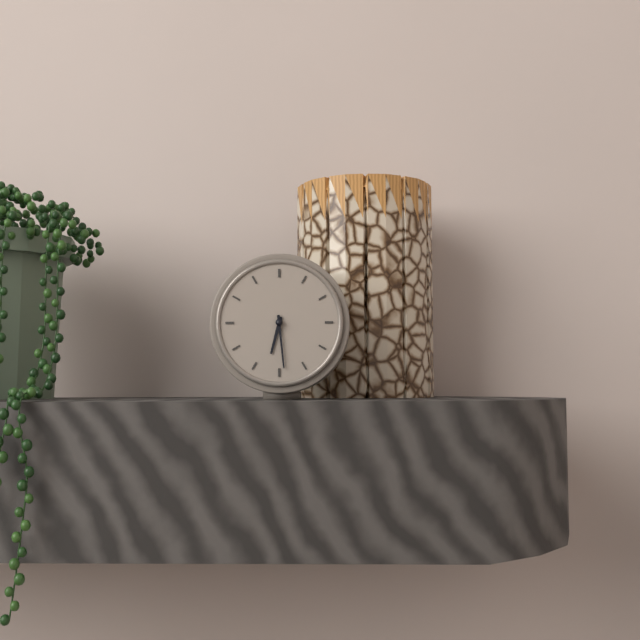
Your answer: 6 h 29 min
